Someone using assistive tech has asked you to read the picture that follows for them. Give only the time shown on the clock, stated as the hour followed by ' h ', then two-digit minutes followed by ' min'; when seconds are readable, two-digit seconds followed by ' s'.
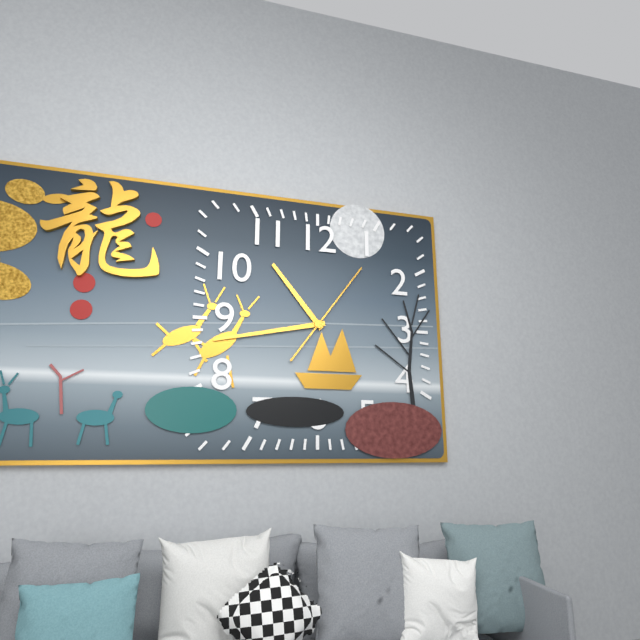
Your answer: 10 h 43 min 06 s
